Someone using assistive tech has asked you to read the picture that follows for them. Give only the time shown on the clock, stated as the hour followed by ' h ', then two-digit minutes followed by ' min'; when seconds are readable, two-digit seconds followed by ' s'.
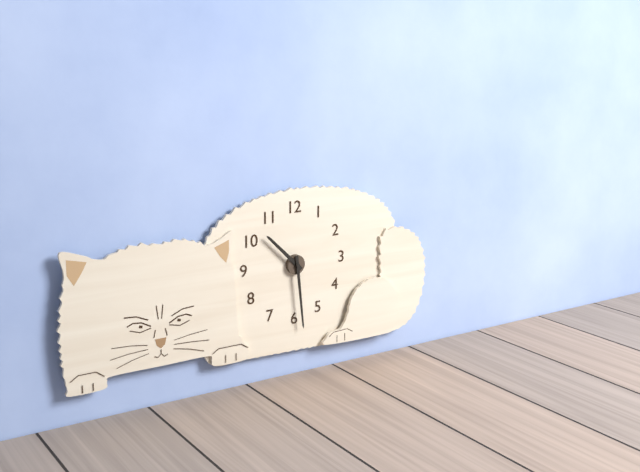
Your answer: 10 h 29 min
